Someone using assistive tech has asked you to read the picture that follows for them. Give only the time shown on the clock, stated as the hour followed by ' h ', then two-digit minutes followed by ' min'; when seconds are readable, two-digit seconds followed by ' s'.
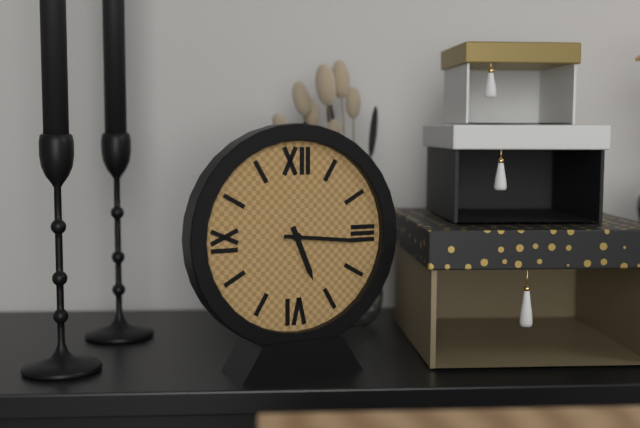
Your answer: 5 h 16 min
